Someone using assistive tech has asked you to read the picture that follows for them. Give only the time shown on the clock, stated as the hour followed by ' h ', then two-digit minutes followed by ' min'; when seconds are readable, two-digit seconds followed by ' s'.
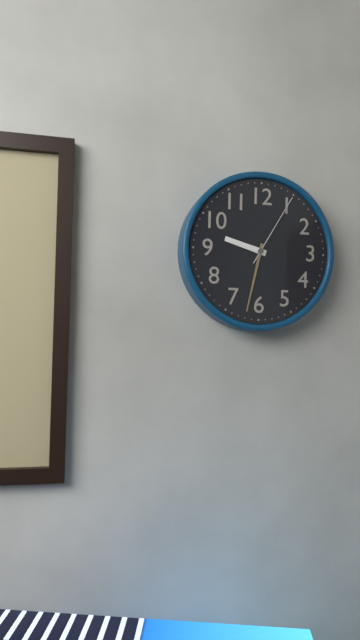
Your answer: 9 h 32 min 05 s
